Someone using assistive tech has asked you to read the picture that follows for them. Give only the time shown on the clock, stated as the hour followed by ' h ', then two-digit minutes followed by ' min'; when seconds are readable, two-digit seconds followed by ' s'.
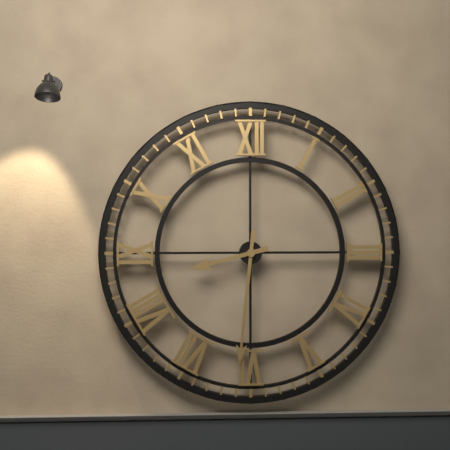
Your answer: 8 h 31 min
